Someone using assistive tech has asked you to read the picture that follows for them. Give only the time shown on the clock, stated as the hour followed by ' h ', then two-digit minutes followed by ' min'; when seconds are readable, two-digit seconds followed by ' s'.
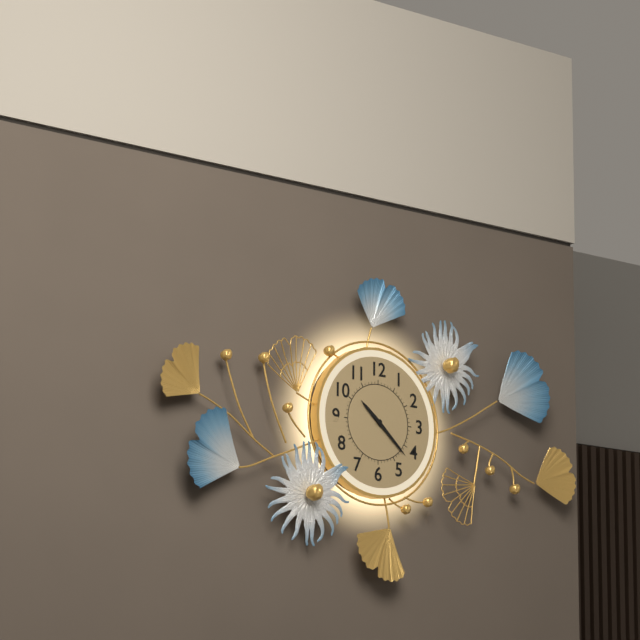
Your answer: 10 h 22 min
